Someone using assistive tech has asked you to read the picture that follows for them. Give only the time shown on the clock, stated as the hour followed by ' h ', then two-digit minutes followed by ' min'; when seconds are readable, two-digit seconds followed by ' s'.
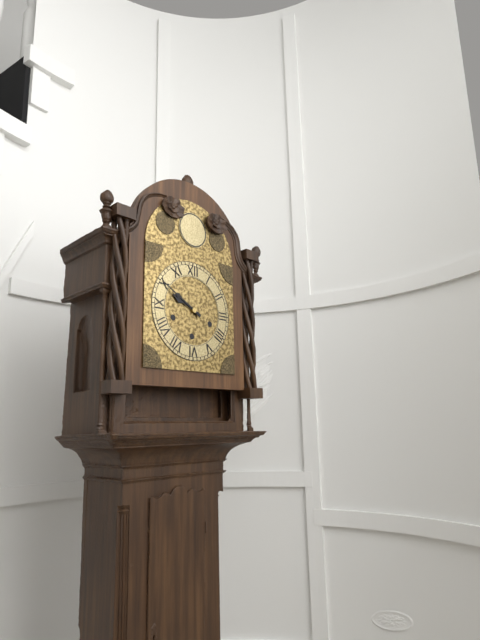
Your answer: 9 h 50 min
